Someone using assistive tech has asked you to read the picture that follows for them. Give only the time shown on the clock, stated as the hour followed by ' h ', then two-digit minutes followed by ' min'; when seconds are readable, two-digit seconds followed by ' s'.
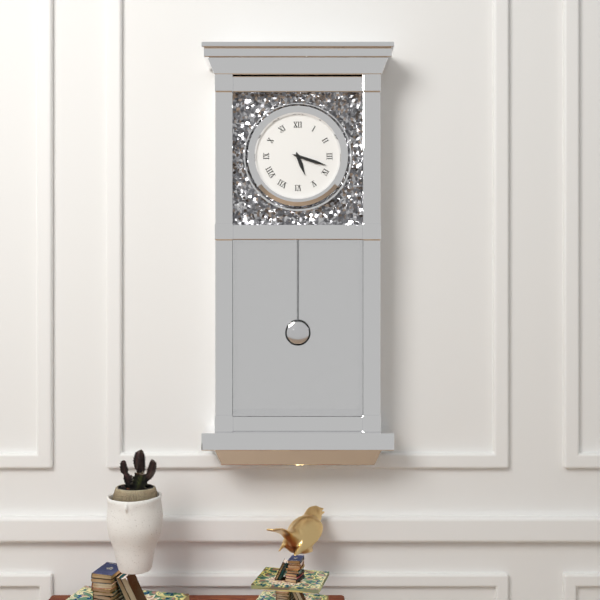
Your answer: 5 h 18 min
